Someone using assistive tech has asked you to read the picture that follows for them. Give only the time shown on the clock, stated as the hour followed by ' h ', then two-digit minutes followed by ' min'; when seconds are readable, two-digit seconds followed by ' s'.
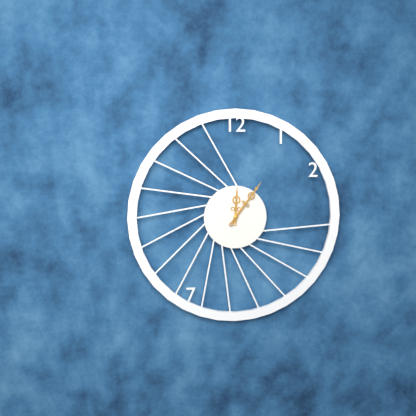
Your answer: 12 h 06 min
